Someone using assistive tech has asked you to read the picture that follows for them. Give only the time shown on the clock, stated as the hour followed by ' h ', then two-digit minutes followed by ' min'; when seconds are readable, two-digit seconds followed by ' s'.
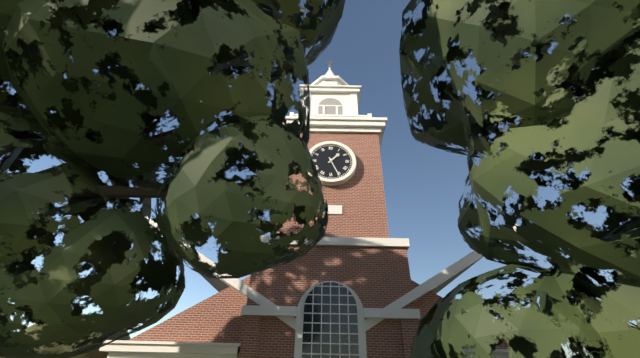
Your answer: 1 h 26 min
